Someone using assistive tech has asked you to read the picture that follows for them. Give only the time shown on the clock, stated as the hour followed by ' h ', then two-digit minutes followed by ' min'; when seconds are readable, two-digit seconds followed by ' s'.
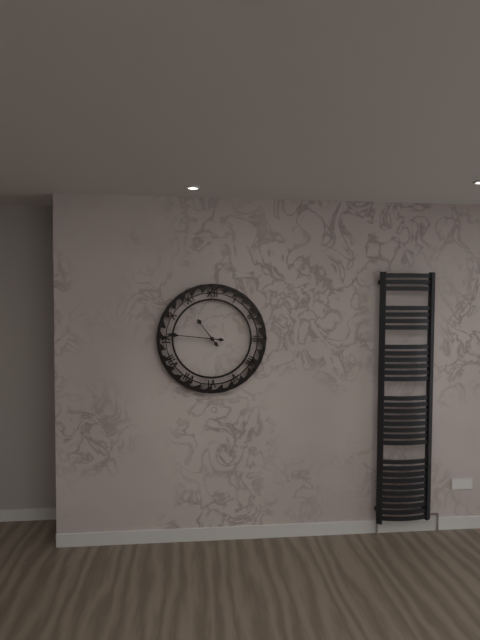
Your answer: 10 h 46 min
